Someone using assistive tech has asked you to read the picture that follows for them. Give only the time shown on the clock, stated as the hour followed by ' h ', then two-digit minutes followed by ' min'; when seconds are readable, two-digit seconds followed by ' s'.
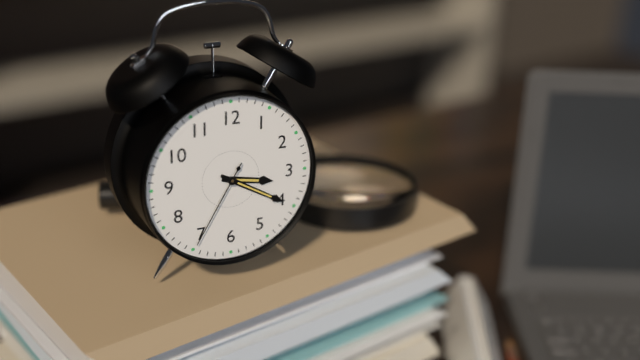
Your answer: 3 h 20 min 35 s
